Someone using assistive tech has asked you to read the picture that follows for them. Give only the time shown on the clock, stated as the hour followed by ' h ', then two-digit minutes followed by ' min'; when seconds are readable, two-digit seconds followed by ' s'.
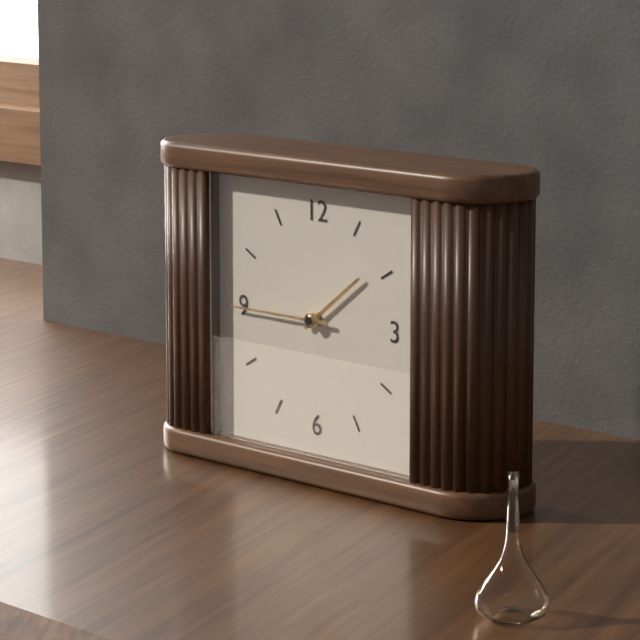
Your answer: 1 h 45 min
